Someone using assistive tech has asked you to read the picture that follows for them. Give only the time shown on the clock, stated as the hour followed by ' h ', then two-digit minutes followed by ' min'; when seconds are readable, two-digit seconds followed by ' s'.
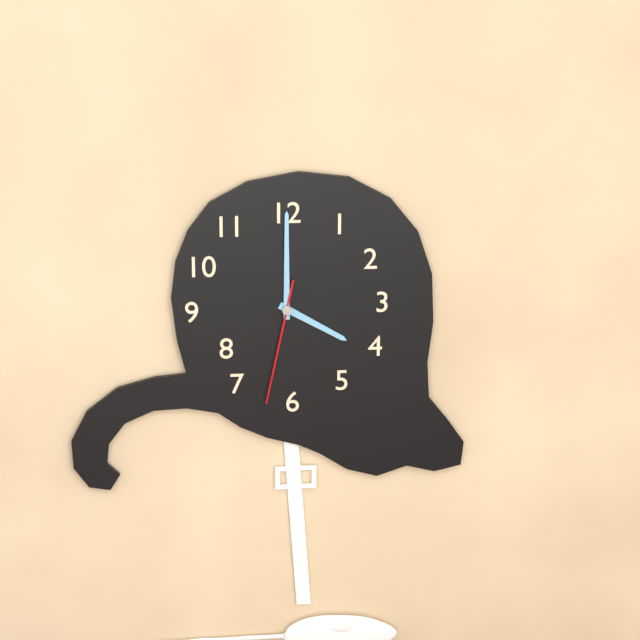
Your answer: 4 h 00 min 32 s
